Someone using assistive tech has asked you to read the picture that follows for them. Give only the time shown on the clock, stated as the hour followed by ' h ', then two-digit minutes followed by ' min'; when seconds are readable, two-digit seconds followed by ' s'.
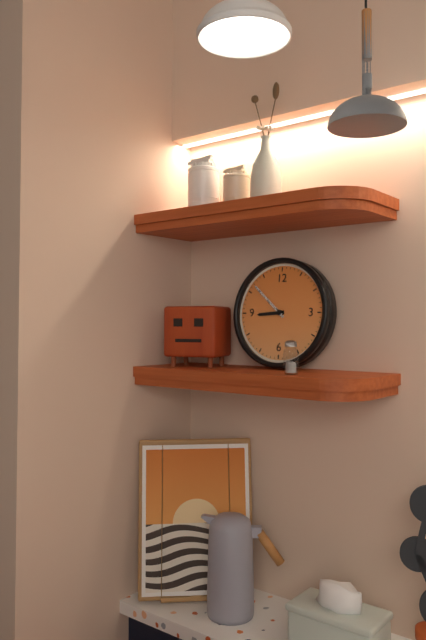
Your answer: 8 h 52 min
